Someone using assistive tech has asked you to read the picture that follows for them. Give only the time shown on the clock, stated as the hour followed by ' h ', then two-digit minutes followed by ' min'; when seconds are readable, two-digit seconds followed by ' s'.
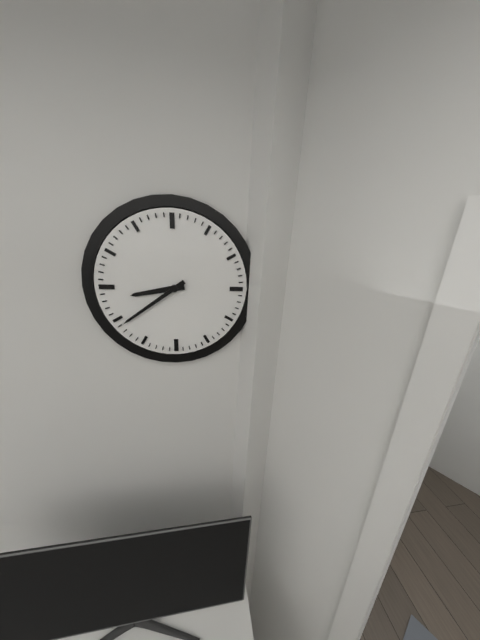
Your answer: 8 h 39 min
